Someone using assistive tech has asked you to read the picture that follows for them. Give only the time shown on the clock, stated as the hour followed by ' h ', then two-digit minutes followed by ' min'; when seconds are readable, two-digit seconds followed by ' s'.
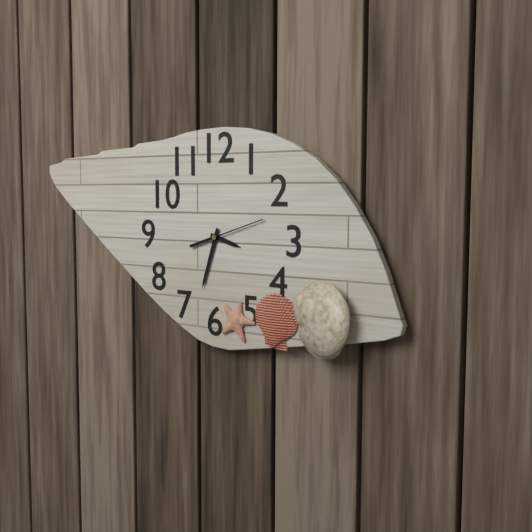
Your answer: 3 h 33 min 12 s
